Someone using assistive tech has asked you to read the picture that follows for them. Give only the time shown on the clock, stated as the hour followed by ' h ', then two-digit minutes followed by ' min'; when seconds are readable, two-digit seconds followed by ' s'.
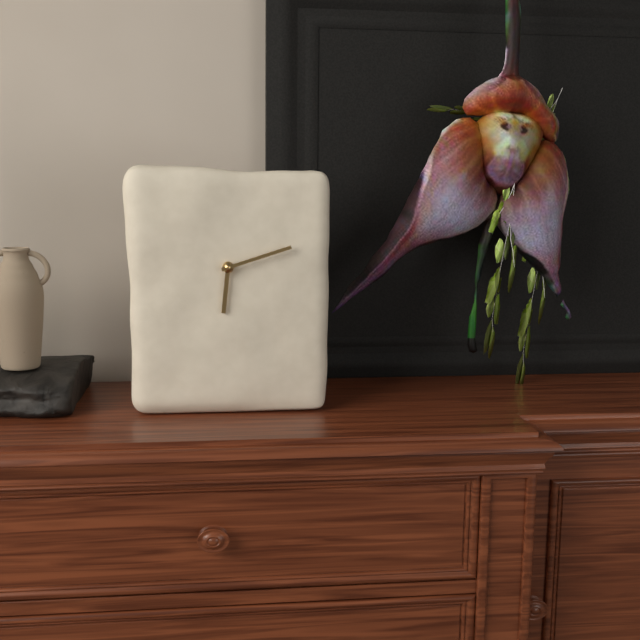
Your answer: 6 h 12 min
